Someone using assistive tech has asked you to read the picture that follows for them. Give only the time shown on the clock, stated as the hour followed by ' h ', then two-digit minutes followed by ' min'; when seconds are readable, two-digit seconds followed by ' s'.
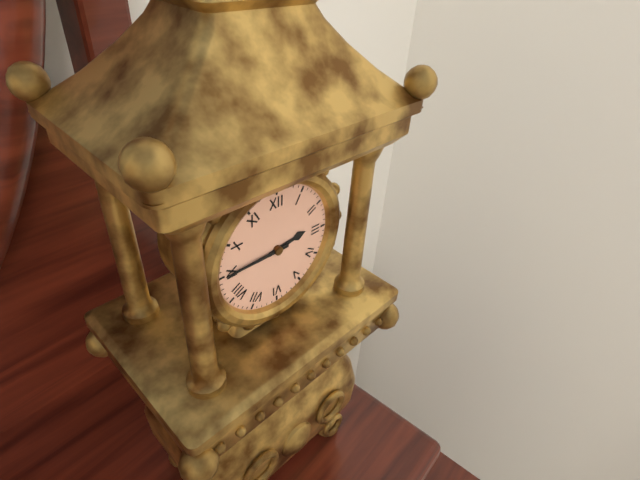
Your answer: 2 h 45 min
